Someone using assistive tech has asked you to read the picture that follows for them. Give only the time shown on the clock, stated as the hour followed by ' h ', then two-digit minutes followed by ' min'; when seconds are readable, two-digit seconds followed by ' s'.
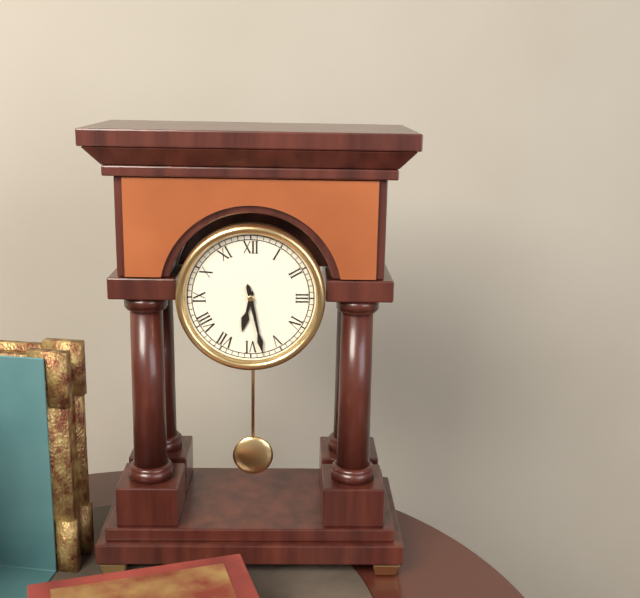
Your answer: 6 h 28 min
